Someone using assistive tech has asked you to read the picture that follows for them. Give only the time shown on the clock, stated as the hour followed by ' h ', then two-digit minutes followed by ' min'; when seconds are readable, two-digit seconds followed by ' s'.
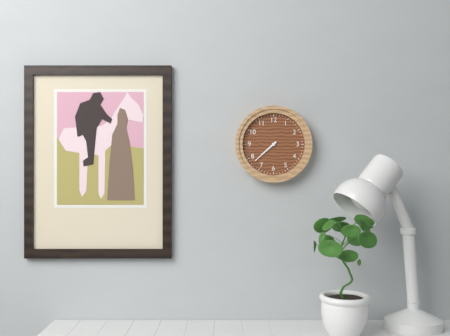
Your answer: 7 h 38 min
